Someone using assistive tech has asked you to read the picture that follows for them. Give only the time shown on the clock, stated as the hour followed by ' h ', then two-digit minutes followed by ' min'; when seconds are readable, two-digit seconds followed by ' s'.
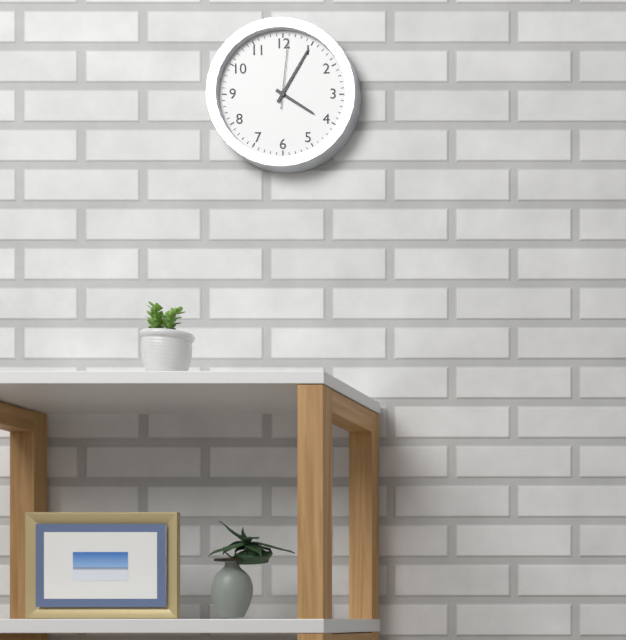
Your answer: 4 h 05 min 01 s
